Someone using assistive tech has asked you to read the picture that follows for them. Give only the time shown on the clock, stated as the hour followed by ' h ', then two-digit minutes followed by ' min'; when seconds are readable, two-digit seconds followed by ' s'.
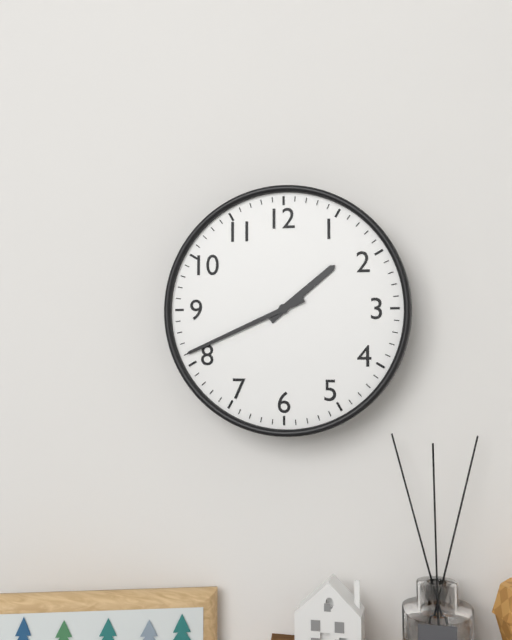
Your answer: 1 h 41 min
